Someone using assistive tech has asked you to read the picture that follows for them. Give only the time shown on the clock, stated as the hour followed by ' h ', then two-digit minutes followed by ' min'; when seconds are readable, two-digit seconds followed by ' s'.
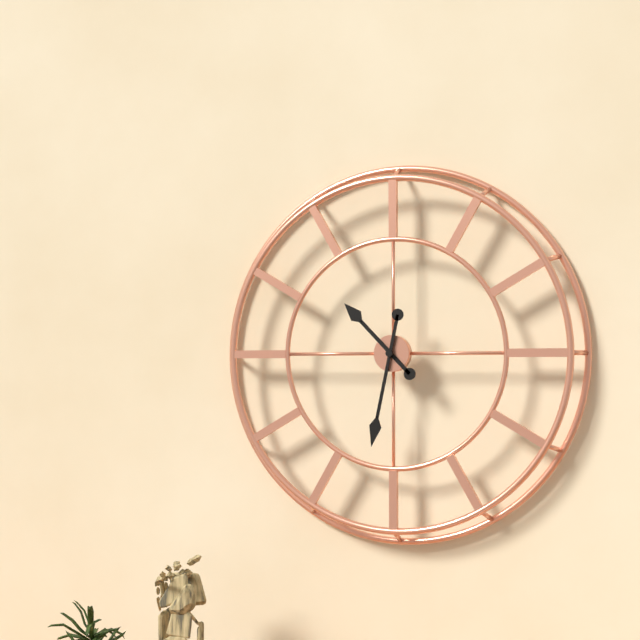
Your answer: 10 h 32 min
